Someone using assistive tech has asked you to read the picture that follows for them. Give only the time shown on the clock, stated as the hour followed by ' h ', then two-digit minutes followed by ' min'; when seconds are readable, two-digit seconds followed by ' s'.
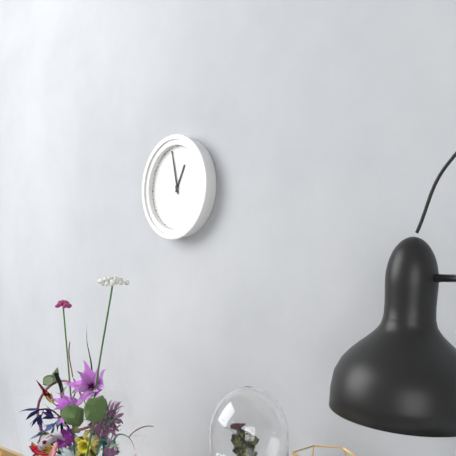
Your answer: 12 h 58 min
